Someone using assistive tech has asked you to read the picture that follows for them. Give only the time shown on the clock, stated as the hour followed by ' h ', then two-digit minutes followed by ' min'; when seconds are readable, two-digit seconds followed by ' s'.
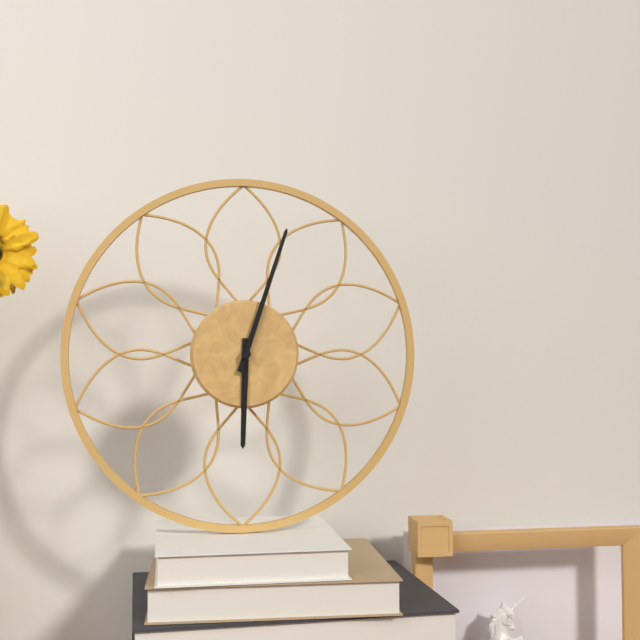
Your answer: 6 h 03 min
